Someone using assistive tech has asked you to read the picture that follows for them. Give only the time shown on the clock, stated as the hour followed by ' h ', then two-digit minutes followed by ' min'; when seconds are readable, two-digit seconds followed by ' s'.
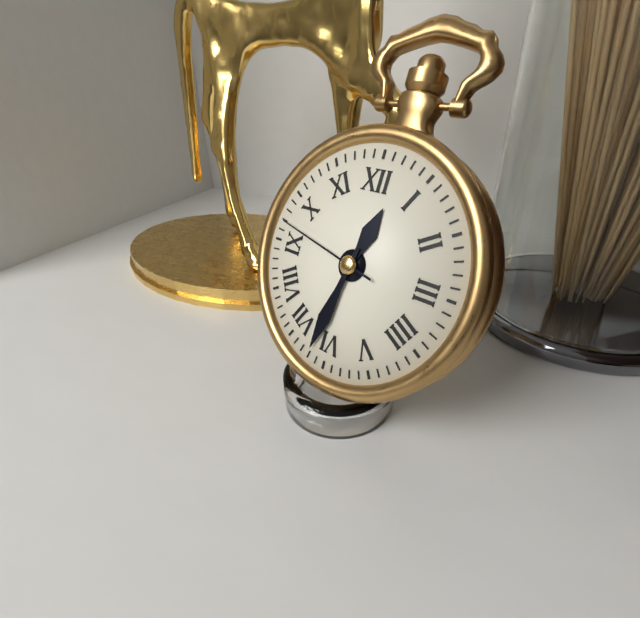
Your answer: 12 h 32 min 47 s
